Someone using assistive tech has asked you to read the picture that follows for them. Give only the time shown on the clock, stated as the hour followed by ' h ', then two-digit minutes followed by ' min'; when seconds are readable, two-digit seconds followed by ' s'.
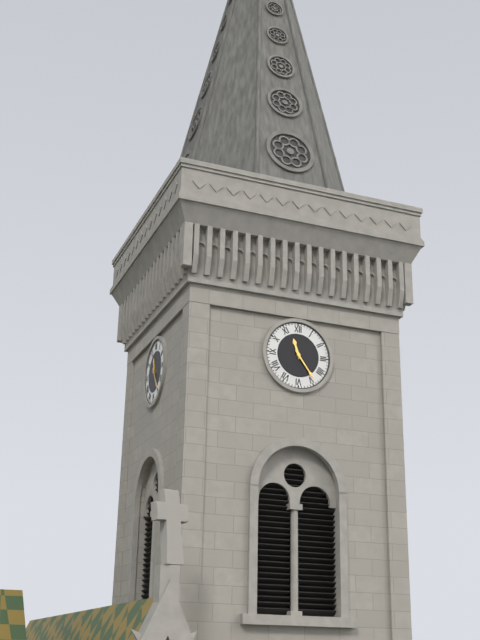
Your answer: 11 h 24 min
